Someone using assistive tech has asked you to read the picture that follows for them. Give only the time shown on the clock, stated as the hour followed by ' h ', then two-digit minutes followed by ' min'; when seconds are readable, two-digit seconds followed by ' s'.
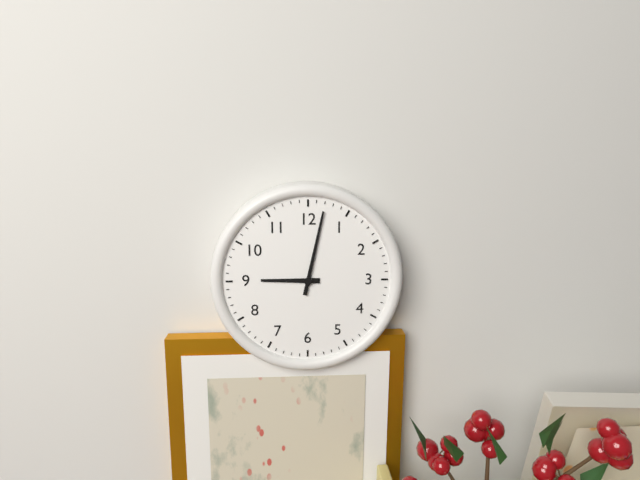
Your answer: 9 h 02 min
